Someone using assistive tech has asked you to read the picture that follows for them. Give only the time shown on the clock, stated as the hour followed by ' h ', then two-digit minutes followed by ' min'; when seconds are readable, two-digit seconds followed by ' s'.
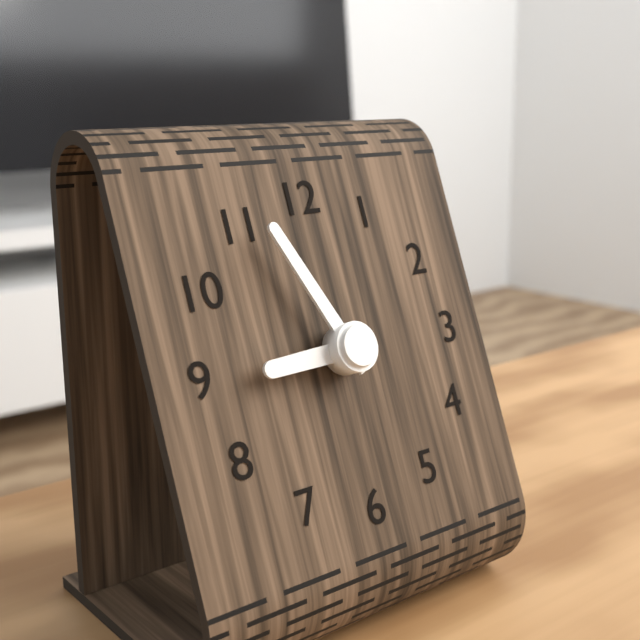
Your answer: 8 h 56 min
